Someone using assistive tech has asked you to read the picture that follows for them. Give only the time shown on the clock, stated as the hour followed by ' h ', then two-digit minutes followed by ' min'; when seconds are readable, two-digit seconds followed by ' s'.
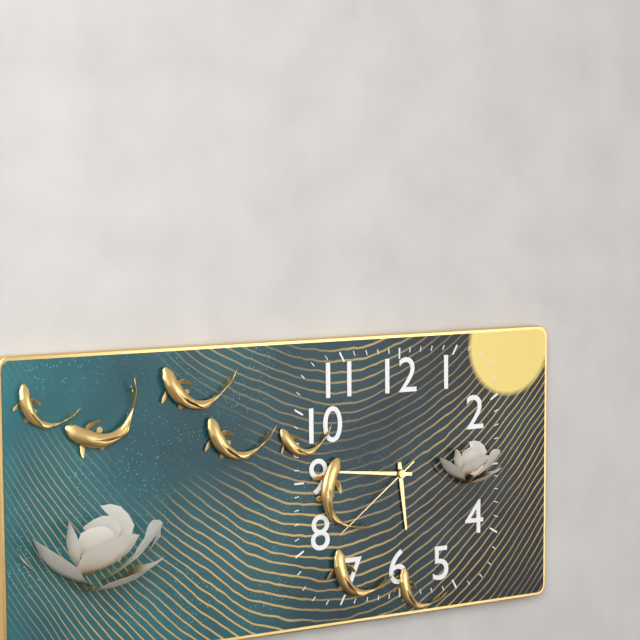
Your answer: 5 h 46 min 39 s
